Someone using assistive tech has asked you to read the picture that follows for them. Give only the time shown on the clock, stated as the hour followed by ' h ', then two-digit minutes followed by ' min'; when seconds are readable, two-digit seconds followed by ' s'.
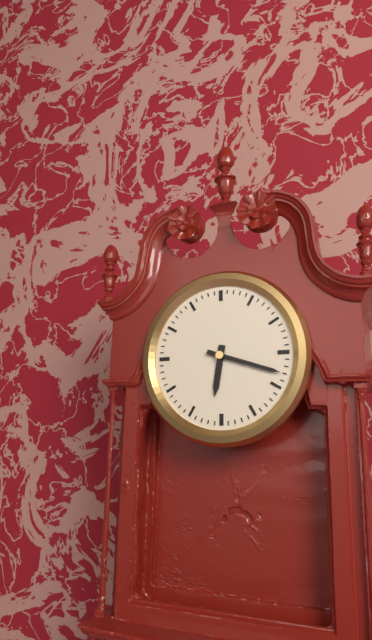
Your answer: 6 h 18 min
